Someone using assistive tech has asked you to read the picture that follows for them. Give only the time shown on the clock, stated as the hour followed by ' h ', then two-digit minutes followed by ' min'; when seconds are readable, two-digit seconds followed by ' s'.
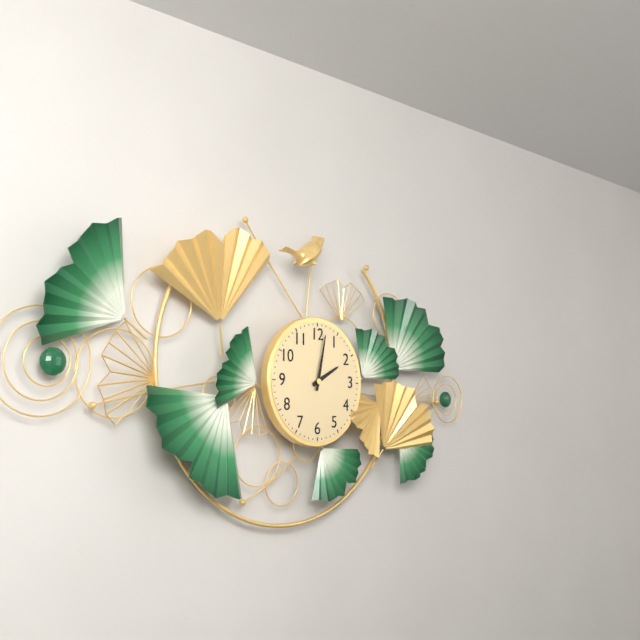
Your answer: 2 h 02 min
